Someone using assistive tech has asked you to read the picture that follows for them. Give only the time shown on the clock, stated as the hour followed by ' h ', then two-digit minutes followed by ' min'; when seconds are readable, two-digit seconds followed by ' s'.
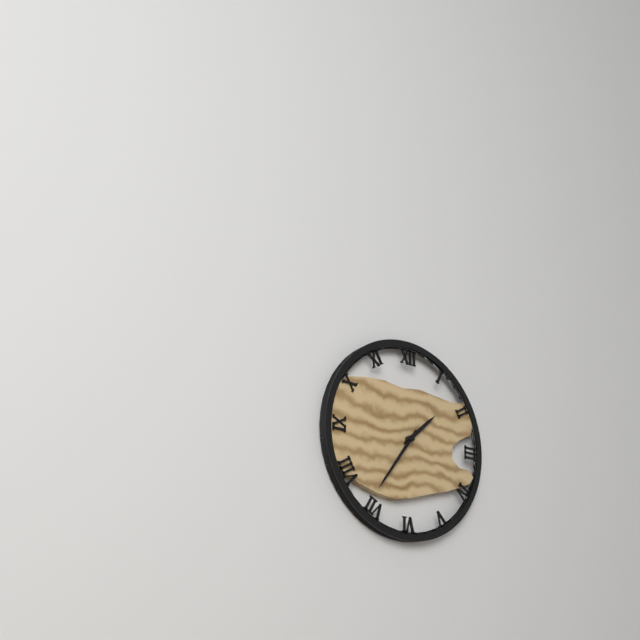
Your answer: 1 h 36 min
